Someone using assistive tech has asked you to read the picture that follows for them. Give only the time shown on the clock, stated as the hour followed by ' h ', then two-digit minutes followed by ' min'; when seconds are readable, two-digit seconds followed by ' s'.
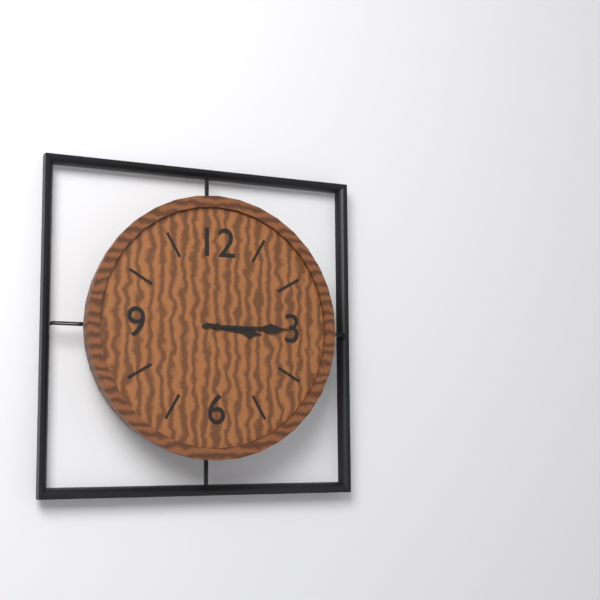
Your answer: 3 h 15 min
